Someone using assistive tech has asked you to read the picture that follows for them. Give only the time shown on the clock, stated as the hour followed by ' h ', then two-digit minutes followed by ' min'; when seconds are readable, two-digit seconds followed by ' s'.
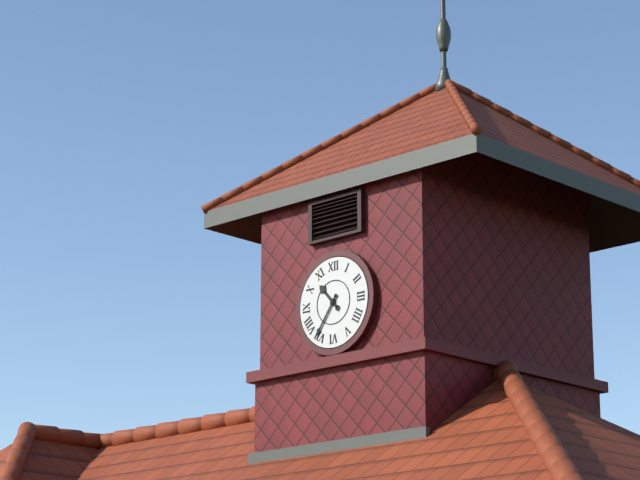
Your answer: 10 h 36 min
